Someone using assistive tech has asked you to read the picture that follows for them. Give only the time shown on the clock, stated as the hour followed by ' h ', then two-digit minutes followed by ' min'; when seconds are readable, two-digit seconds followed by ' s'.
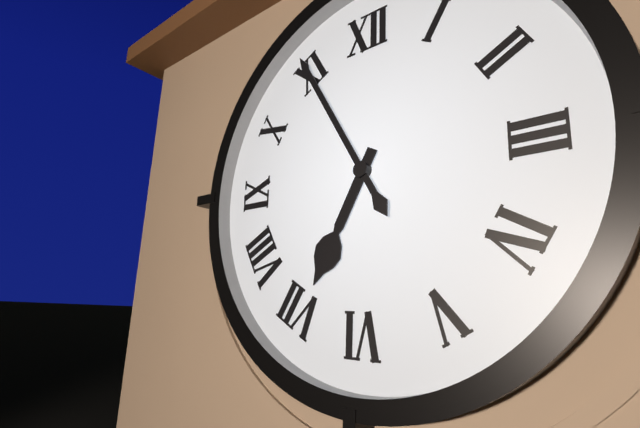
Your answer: 6 h 55 min
